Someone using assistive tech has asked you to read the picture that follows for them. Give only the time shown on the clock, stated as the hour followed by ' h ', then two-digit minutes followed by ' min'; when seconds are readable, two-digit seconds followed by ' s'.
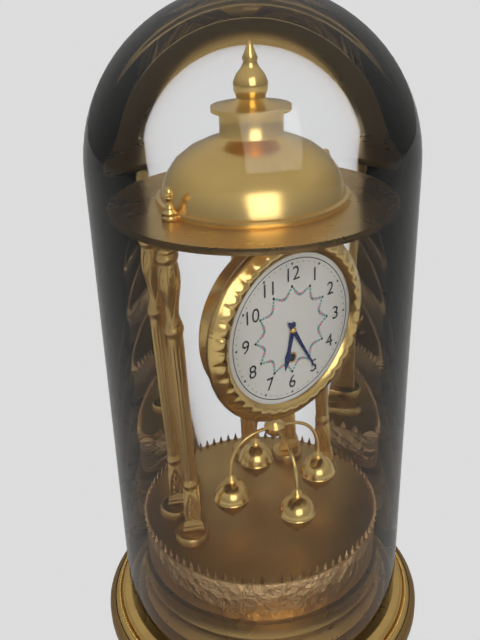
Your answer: 6 h 25 min
